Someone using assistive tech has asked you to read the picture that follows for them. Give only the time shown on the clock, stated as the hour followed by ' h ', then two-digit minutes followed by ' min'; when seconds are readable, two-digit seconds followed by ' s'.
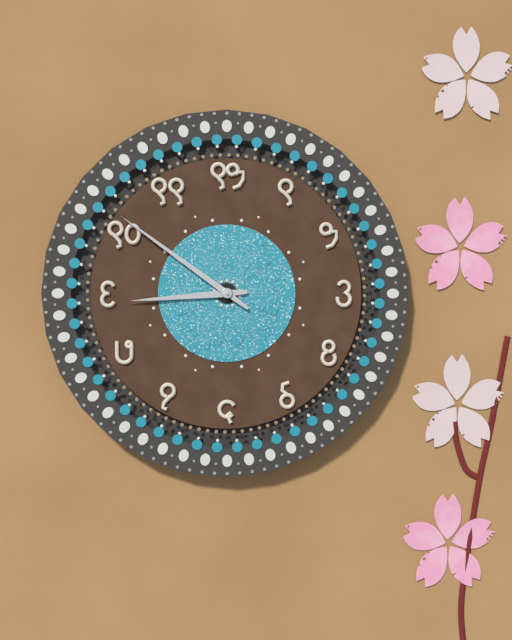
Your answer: 8 h 51 min
